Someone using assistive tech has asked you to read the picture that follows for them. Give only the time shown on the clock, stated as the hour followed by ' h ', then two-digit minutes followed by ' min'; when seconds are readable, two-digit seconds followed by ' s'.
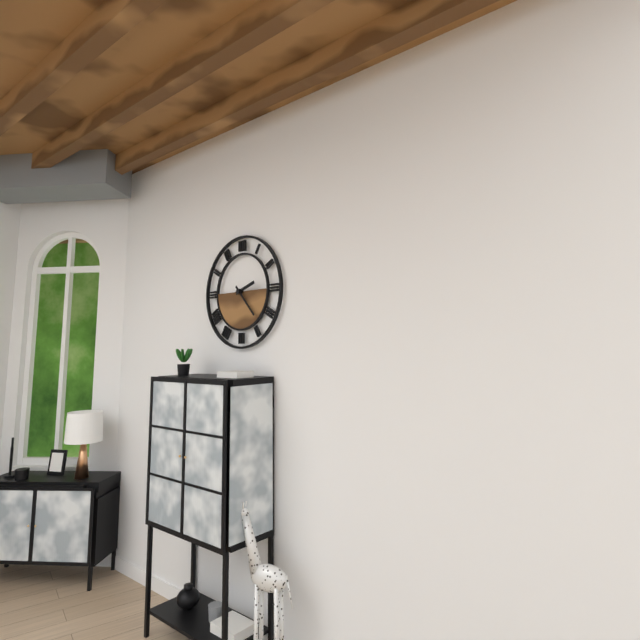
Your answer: 2 h 23 min
